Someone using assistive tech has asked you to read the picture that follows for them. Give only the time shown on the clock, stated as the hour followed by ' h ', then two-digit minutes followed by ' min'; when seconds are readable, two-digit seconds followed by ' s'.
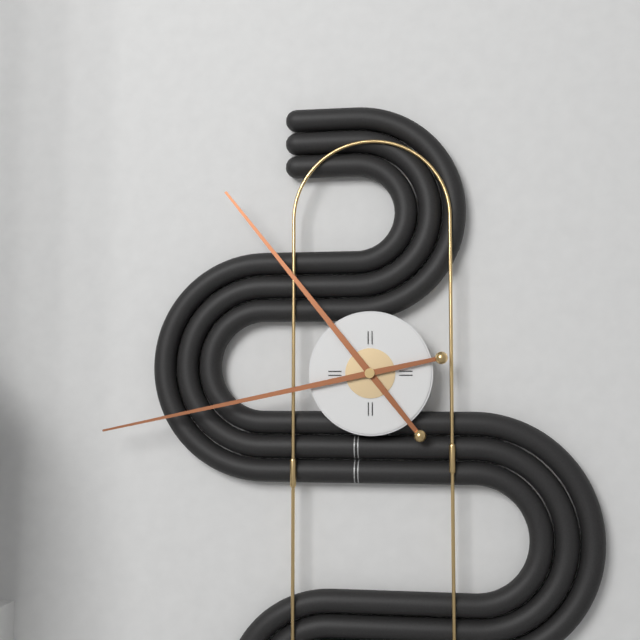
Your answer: 10 h 43 min
